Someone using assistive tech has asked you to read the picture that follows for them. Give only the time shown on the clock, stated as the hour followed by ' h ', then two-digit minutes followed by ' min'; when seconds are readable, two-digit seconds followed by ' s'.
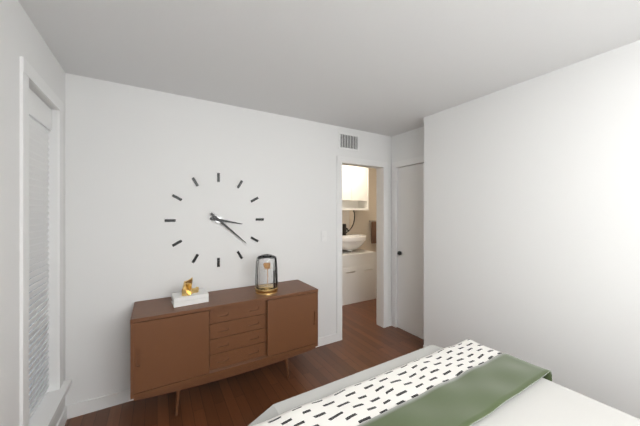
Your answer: 3 h 22 min
